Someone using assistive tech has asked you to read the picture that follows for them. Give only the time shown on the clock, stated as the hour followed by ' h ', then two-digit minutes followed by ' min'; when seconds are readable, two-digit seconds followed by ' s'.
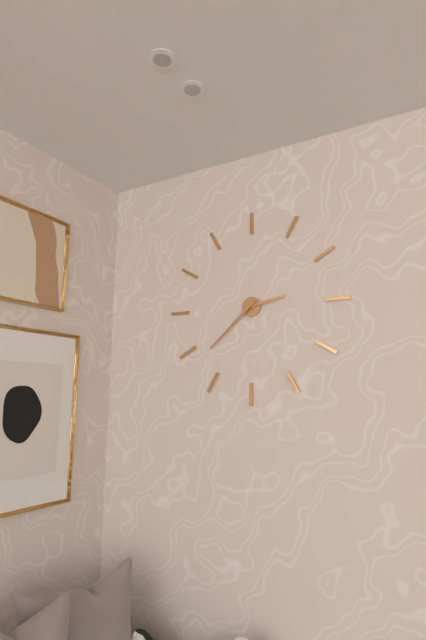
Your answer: 2 h 38 min
